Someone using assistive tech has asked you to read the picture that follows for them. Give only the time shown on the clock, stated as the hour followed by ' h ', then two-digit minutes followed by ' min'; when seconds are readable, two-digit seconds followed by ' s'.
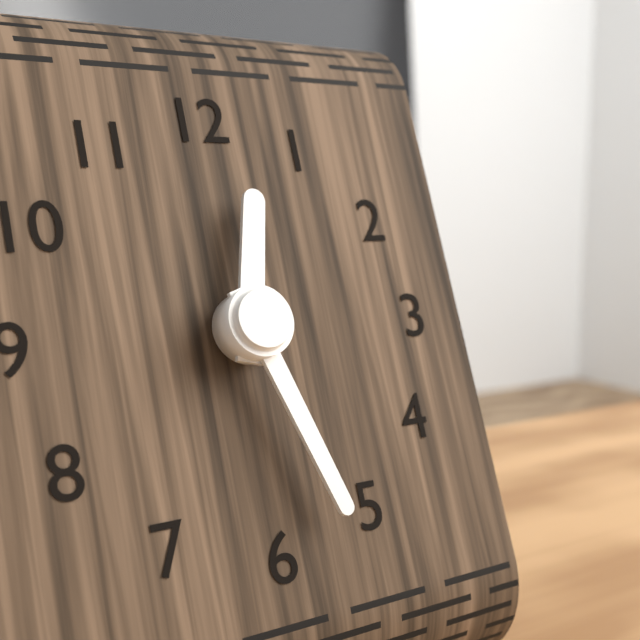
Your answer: 12 h 27 min
